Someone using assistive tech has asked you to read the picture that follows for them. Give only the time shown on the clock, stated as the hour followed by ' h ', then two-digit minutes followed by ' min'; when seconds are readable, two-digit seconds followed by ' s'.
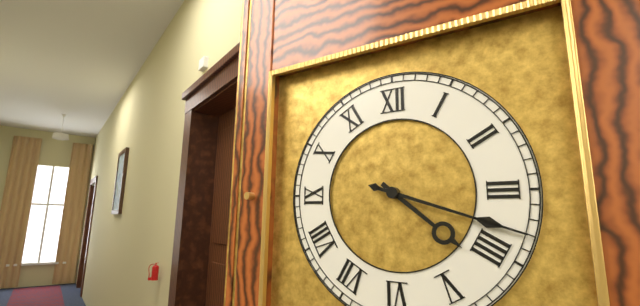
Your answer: 4 h 18 min
